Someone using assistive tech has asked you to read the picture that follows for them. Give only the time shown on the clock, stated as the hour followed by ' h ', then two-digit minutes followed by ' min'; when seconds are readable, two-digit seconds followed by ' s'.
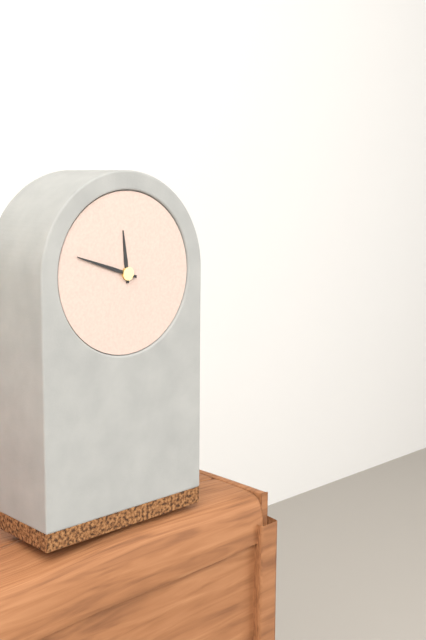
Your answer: 11 h 48 min
